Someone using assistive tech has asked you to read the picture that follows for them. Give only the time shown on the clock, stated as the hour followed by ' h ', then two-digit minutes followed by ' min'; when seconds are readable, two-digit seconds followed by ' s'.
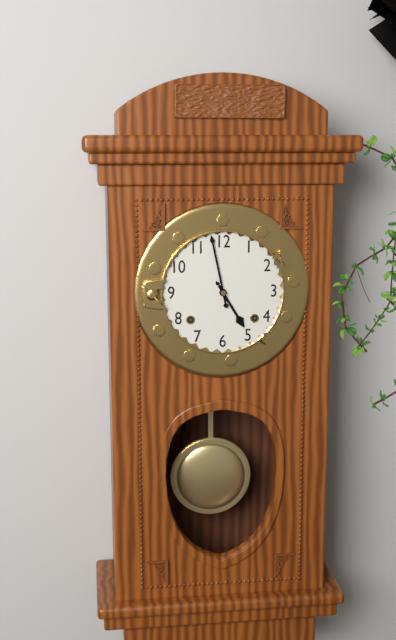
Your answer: 4 h 58 min
